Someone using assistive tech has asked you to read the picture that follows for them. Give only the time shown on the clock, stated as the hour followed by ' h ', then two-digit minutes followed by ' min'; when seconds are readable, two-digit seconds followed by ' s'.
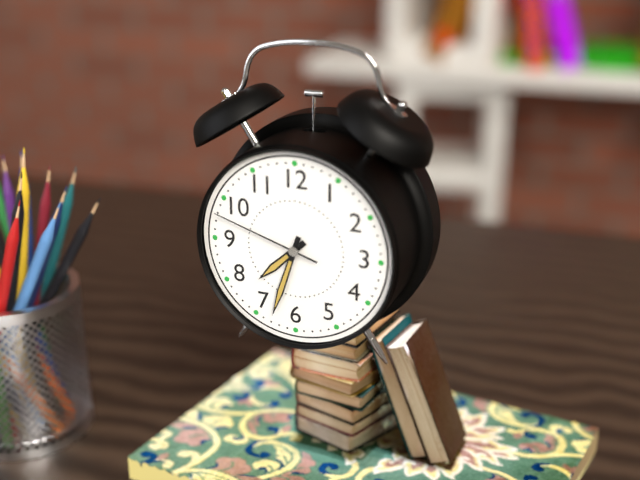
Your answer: 7 h 33 min 48 s
